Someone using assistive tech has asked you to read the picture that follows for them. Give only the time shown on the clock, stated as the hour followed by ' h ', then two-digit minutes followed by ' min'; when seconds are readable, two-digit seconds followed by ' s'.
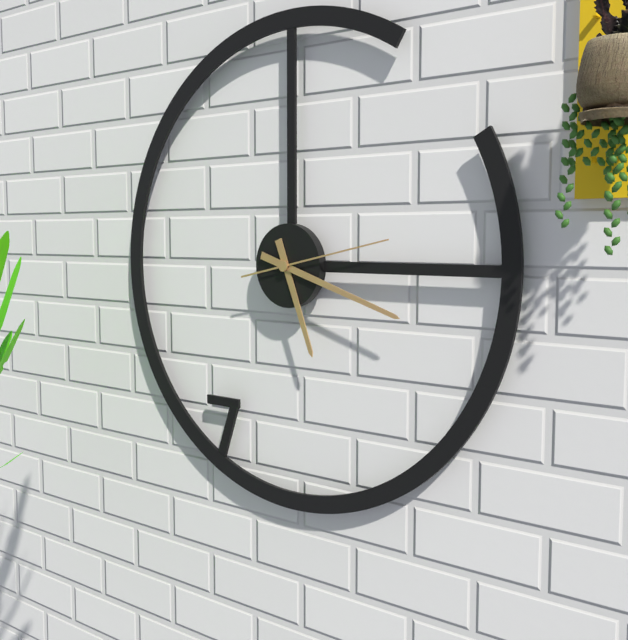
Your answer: 5 h 18 min 13 s
